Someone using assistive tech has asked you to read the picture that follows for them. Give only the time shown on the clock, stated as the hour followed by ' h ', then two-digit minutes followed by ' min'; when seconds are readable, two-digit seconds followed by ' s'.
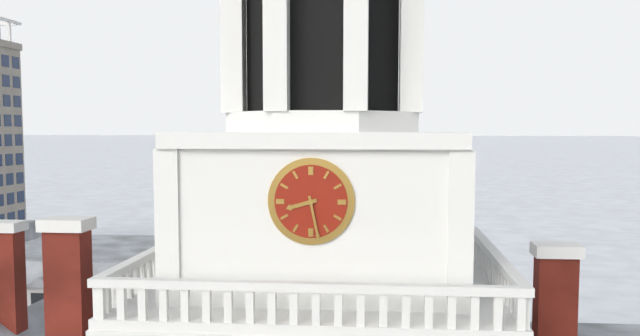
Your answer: 8 h 28 min
